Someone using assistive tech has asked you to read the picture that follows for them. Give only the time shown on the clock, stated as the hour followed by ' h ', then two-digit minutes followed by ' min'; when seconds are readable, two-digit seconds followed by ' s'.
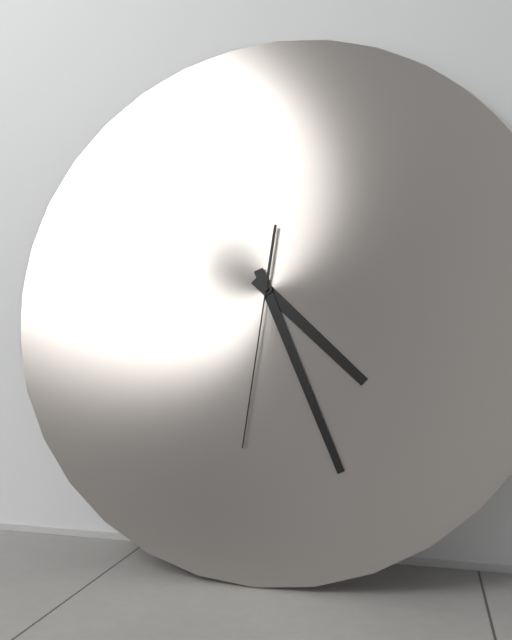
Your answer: 4 h 26 min 31 s
